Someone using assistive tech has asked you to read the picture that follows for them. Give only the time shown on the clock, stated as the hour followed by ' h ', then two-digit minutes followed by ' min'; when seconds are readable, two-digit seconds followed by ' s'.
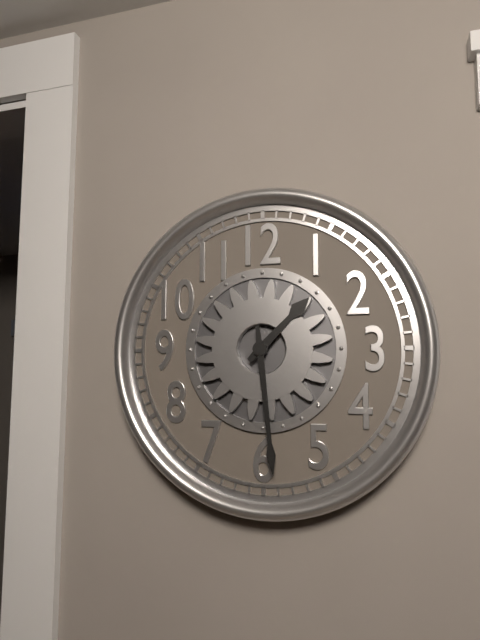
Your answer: 1 h 29 min
